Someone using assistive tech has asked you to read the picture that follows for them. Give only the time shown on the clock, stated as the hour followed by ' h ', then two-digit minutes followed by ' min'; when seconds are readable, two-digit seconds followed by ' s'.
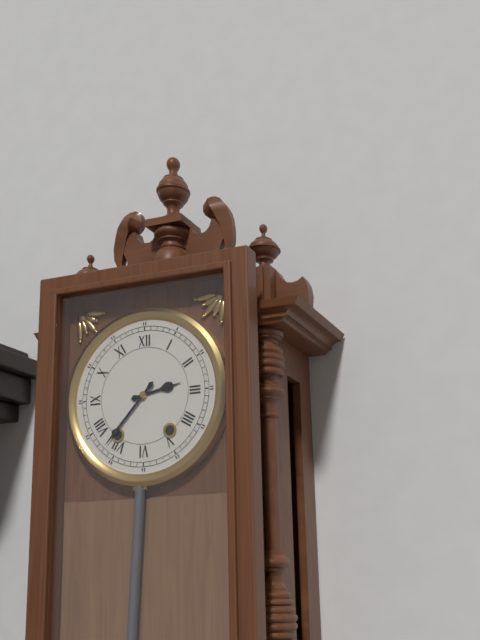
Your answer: 2 h 37 min
